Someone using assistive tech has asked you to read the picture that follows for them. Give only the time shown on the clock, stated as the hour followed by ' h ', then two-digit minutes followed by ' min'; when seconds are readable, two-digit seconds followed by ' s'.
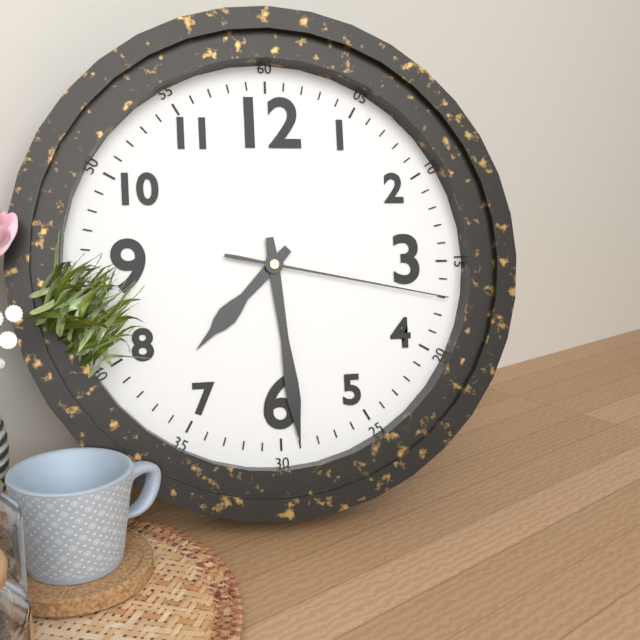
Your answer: 7 h 29 min 17 s
